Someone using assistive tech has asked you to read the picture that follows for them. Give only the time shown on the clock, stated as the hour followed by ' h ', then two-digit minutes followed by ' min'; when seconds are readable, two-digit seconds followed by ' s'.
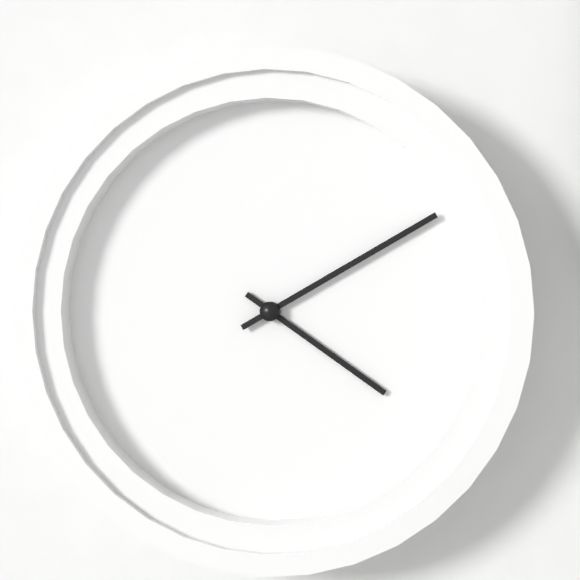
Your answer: 4 h 10 min
